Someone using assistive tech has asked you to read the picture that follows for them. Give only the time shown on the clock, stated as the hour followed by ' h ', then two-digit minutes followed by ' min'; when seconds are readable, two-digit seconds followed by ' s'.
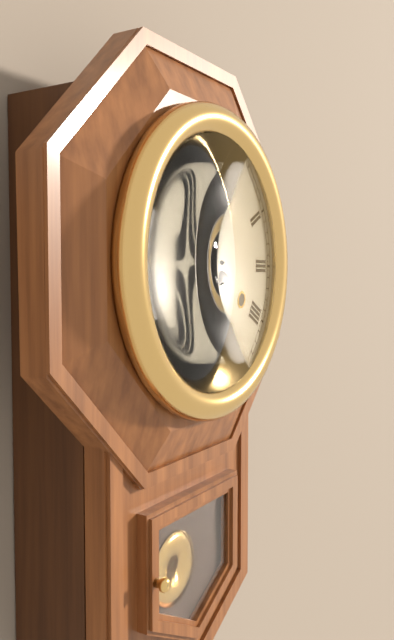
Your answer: 8 h 50 min
